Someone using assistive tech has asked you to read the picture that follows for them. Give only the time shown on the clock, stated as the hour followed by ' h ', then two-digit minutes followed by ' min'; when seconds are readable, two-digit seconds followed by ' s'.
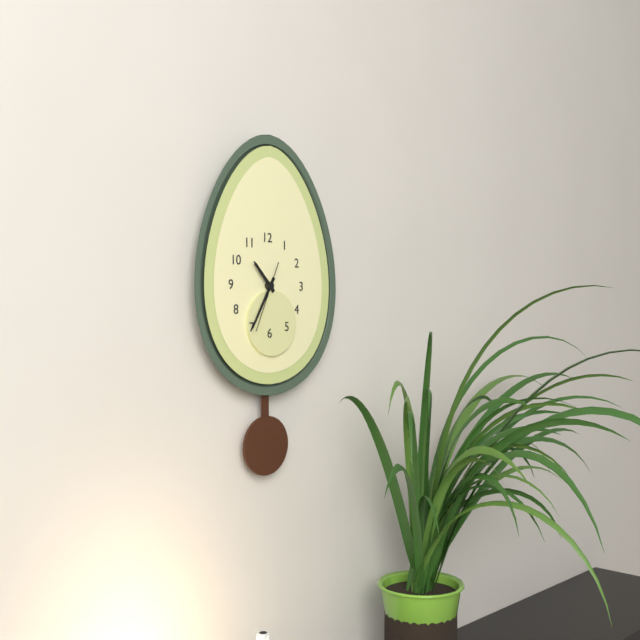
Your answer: 10 h 35 min 34 s
